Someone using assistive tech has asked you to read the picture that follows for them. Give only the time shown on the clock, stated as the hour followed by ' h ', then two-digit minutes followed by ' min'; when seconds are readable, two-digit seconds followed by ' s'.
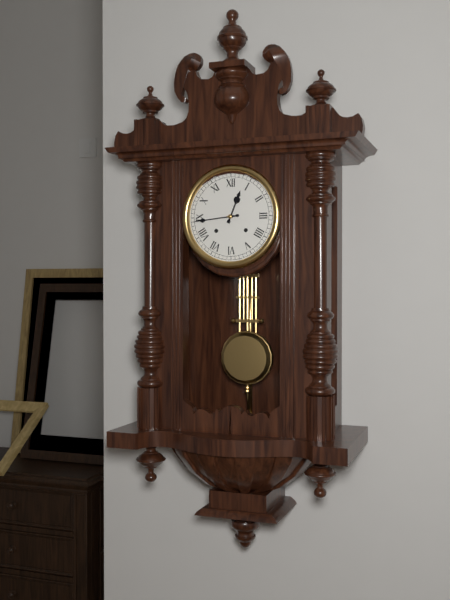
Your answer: 12 h 44 min
